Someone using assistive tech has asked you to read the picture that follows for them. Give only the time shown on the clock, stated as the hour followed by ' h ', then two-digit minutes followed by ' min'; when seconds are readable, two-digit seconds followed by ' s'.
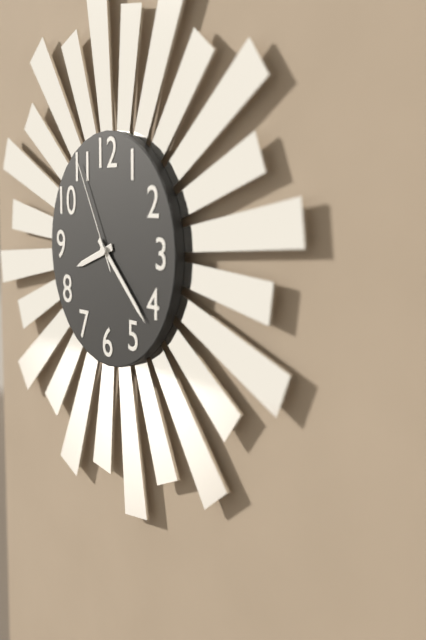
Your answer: 8 h 22 min 55 s
